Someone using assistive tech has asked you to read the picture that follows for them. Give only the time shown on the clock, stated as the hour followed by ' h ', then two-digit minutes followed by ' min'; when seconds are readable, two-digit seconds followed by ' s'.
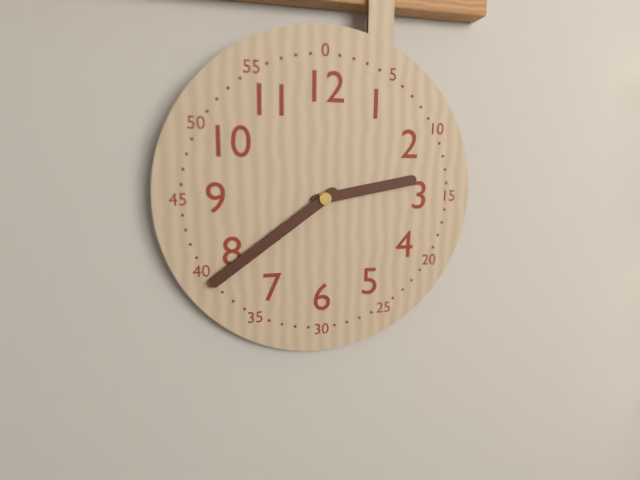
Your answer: 2 h 39 min
